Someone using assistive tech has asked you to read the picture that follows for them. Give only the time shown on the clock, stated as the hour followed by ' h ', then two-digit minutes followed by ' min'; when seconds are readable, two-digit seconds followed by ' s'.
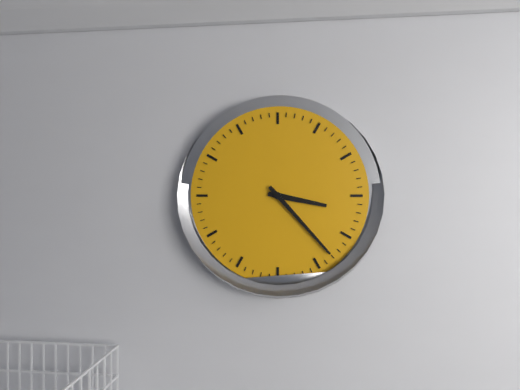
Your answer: 3 h 23 min
